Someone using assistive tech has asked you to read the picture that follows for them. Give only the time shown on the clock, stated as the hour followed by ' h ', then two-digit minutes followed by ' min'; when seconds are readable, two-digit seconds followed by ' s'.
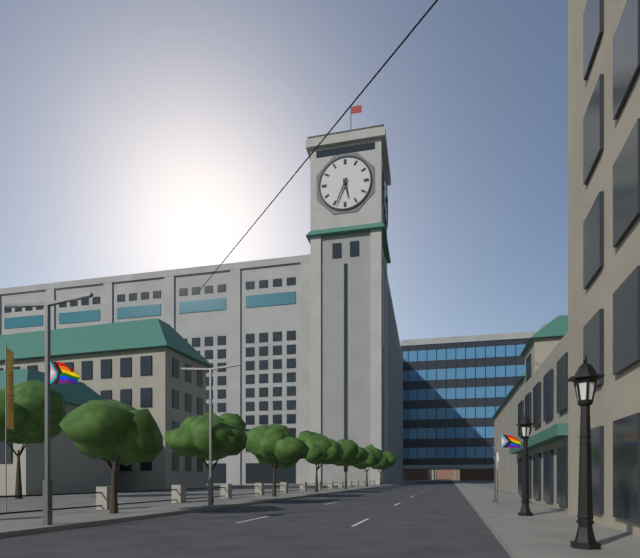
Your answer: 5 h 34 min
